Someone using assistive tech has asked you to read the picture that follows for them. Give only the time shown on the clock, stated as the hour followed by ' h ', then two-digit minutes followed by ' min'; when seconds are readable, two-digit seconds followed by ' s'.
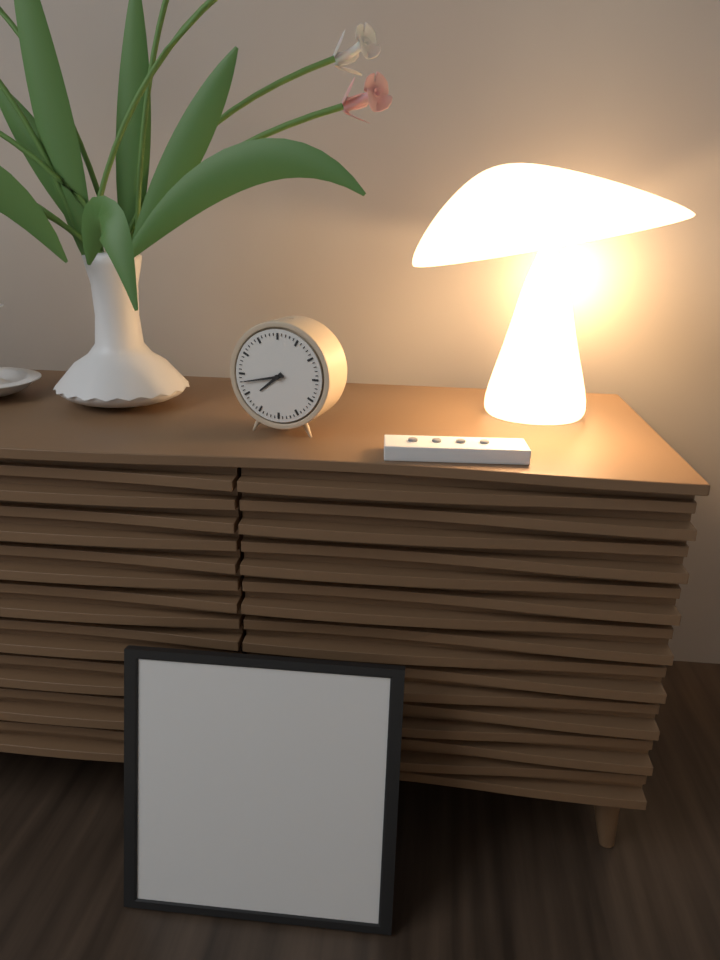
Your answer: 7 h 43 min
